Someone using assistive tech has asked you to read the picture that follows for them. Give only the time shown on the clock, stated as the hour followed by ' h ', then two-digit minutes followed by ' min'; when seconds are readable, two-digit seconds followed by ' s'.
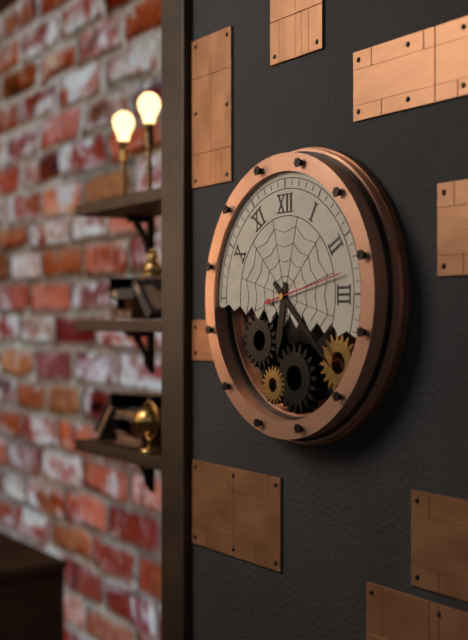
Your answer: 6 h 22 min 13 s
